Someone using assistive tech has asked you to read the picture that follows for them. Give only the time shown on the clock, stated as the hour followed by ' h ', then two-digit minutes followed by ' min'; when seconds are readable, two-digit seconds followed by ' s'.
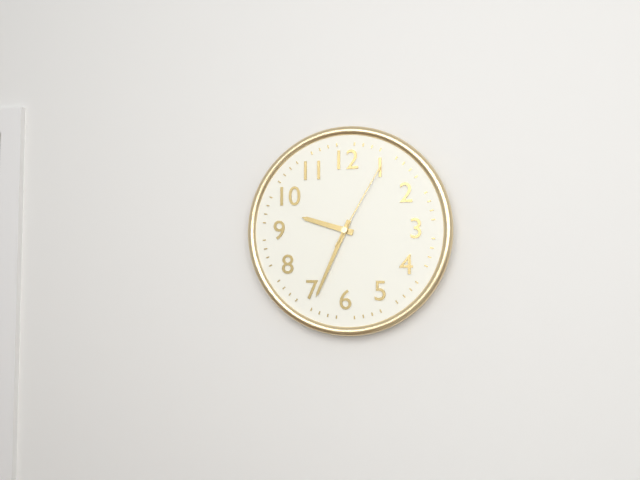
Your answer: 9 h 34 min 05 s
